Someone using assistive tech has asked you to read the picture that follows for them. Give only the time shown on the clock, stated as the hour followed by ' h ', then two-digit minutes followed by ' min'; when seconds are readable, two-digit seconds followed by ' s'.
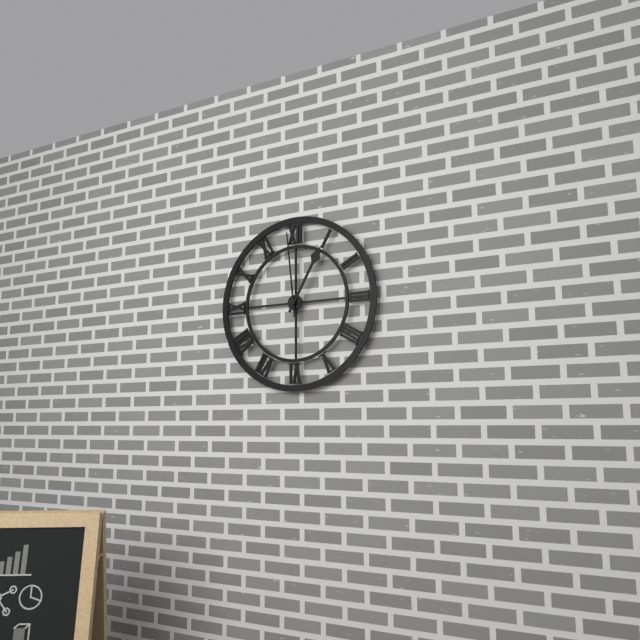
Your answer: 12 h 59 min
